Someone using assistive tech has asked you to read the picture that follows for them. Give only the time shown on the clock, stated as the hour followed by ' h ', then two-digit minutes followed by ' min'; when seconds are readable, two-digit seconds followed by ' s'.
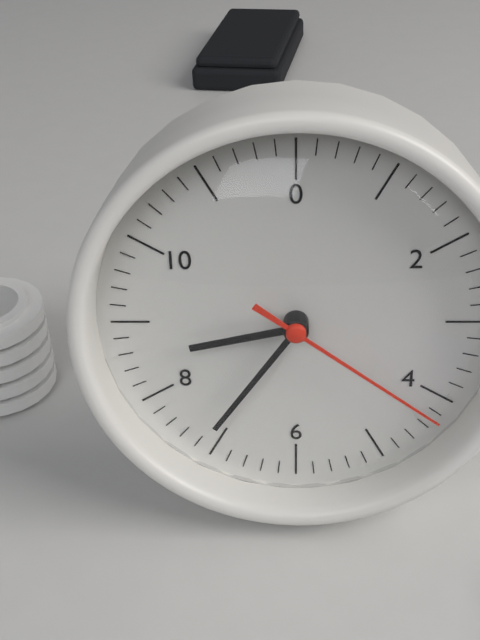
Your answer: 8 h 36 min 21 s
